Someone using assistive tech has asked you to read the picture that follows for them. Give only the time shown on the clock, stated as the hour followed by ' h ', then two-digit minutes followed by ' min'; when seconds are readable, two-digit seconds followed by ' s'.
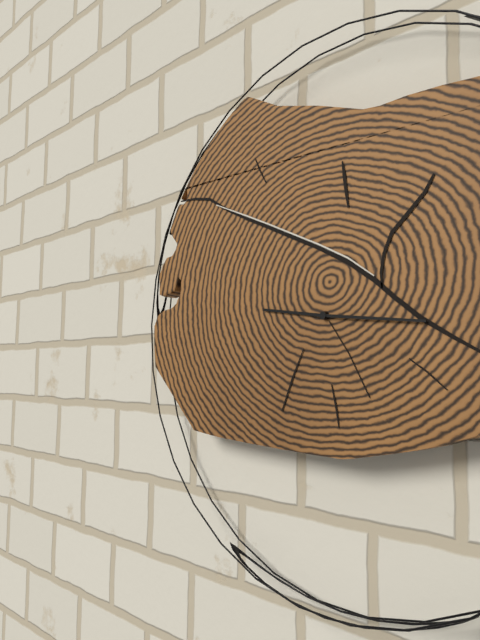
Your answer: 9 h 16 min
